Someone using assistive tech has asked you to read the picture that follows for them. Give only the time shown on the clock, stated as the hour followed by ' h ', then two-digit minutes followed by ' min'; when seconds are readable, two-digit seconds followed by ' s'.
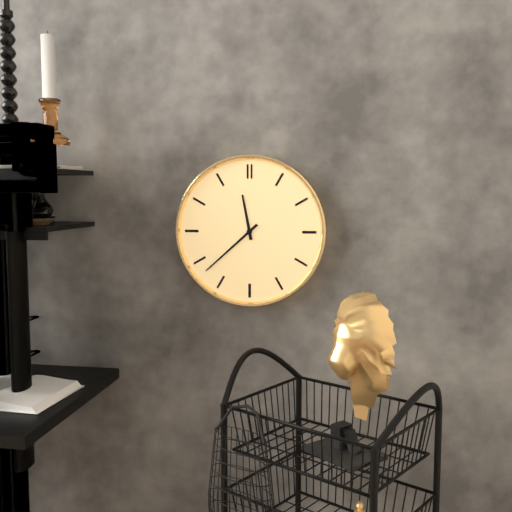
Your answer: 11 h 38 min
